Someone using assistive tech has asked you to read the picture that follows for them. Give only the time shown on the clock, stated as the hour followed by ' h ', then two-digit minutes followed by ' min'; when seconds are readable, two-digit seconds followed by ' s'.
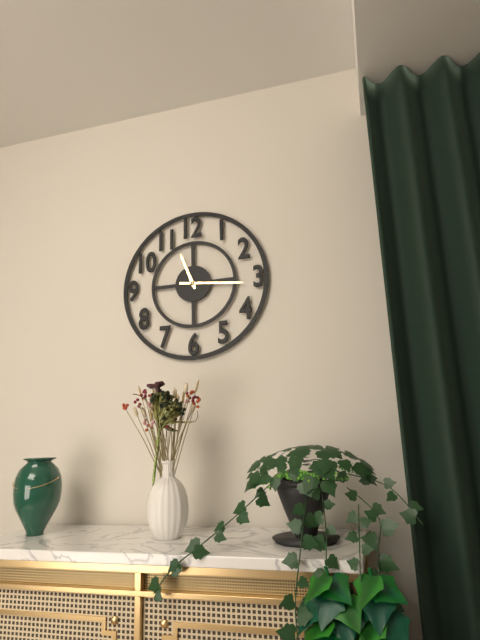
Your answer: 11 h 16 min
